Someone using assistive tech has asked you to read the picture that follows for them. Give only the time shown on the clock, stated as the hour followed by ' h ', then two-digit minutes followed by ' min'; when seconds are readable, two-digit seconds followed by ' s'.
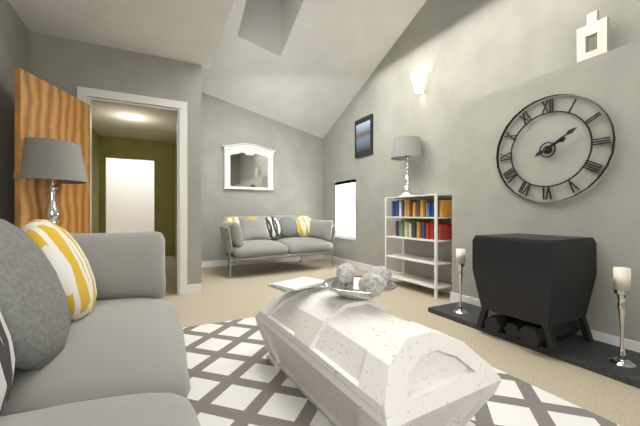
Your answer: 2 h 10 min
